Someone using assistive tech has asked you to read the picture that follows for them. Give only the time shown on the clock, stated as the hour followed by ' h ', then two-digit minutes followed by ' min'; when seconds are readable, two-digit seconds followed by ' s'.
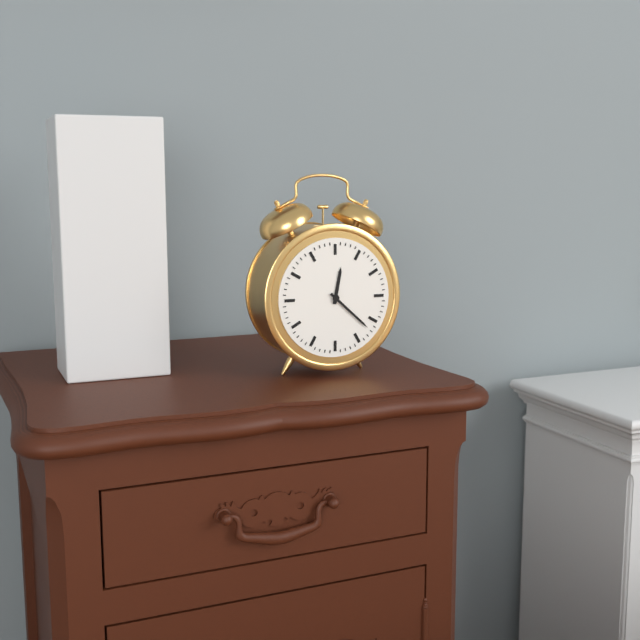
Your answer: 12 h 22 min
